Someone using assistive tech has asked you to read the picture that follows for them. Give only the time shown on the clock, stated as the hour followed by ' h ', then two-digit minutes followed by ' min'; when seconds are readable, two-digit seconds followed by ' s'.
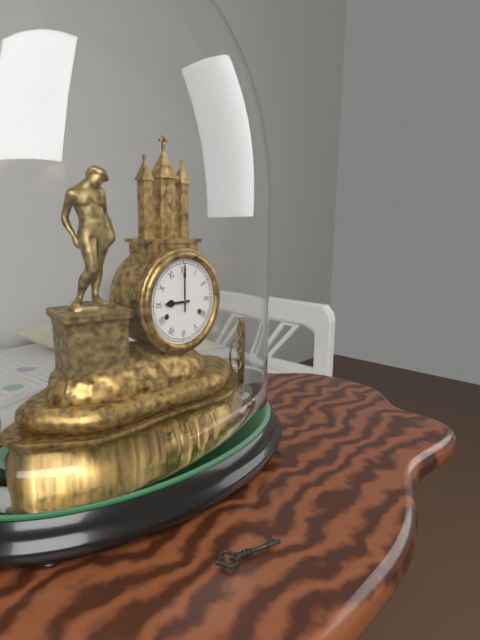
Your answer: 9 h 00 min
